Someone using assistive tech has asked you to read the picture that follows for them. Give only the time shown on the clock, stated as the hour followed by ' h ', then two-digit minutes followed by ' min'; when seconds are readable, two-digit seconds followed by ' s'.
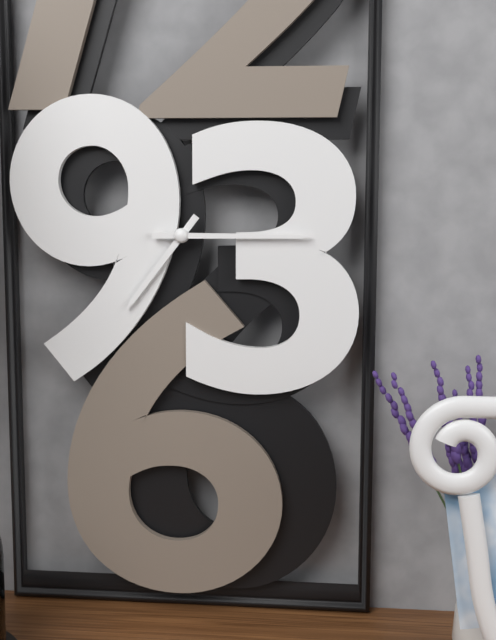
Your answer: 7 h 15 min
